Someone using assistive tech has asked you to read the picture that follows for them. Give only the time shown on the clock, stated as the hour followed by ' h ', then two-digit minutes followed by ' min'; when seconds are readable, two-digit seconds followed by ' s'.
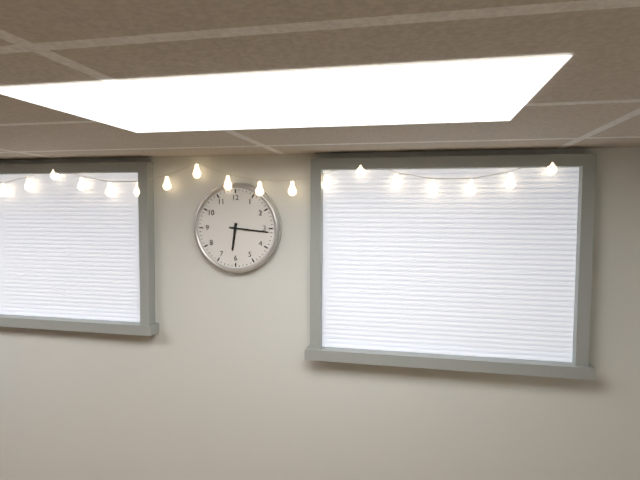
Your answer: 6 h 16 min
